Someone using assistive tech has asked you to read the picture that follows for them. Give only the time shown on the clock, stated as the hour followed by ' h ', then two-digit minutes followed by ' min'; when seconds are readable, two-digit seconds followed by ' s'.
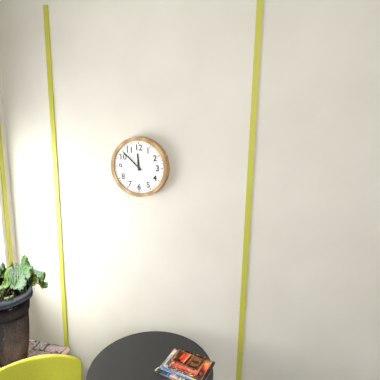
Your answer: 11 h 52 min
